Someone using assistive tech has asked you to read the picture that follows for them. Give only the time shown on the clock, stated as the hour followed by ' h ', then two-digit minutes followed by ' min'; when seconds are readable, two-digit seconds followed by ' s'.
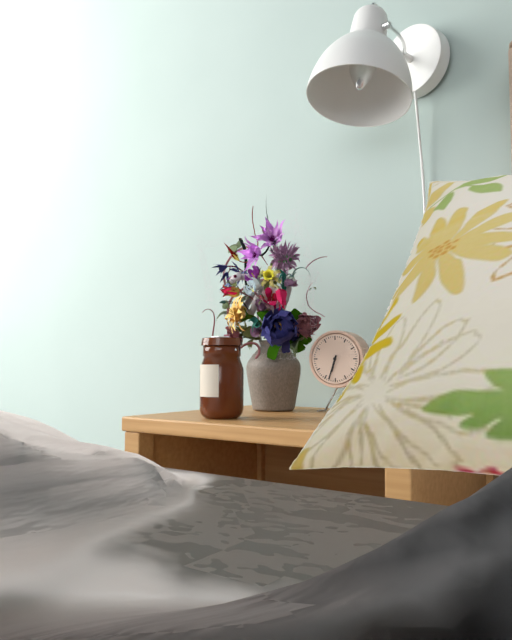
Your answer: 6 h 33 min
